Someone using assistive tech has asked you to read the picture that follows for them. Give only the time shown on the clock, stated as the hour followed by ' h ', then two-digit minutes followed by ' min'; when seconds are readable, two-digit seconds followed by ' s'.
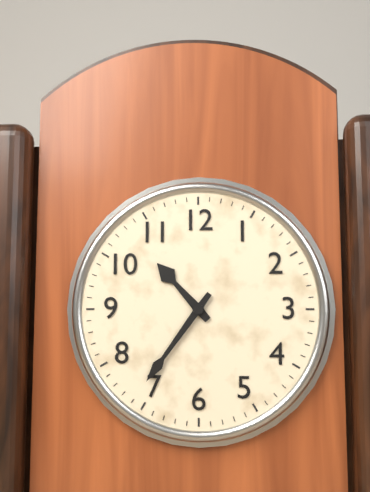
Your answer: 10 h 36 min
